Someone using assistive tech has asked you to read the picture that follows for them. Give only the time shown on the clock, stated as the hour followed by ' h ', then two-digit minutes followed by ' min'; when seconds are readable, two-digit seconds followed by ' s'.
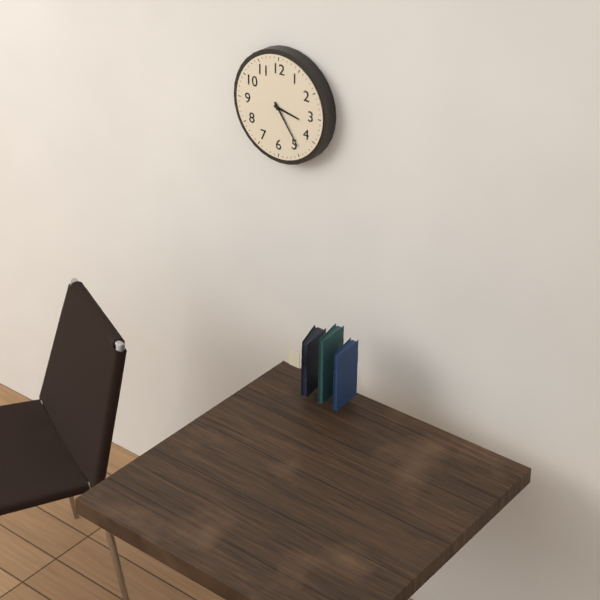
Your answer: 3 h 24 min
